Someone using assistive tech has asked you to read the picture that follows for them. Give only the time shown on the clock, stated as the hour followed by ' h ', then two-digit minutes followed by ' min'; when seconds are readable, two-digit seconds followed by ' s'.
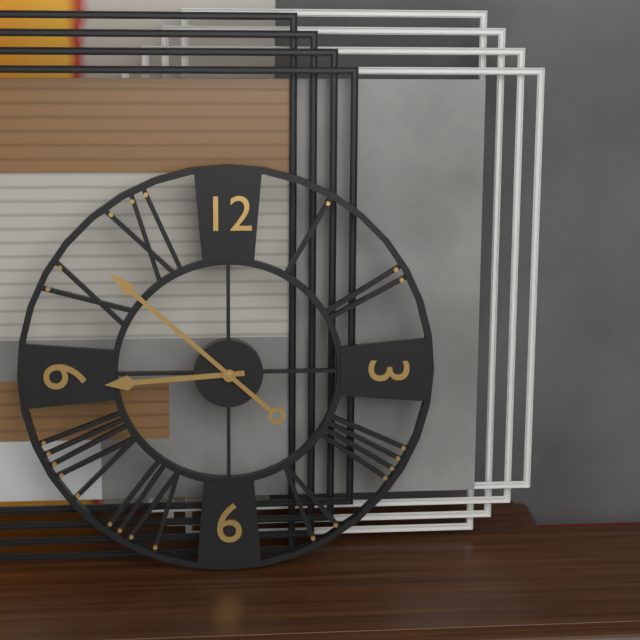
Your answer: 8 h 52 min
